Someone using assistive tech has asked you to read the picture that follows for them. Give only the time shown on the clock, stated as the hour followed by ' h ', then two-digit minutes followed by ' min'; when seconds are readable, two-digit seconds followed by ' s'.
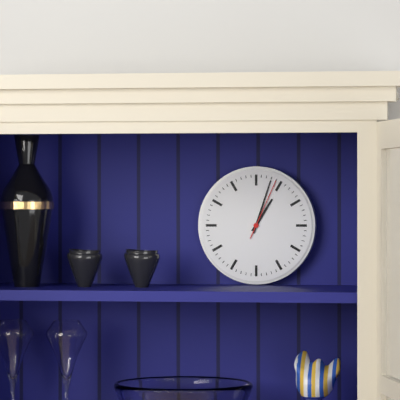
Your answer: 1 h 03 min 04 s
